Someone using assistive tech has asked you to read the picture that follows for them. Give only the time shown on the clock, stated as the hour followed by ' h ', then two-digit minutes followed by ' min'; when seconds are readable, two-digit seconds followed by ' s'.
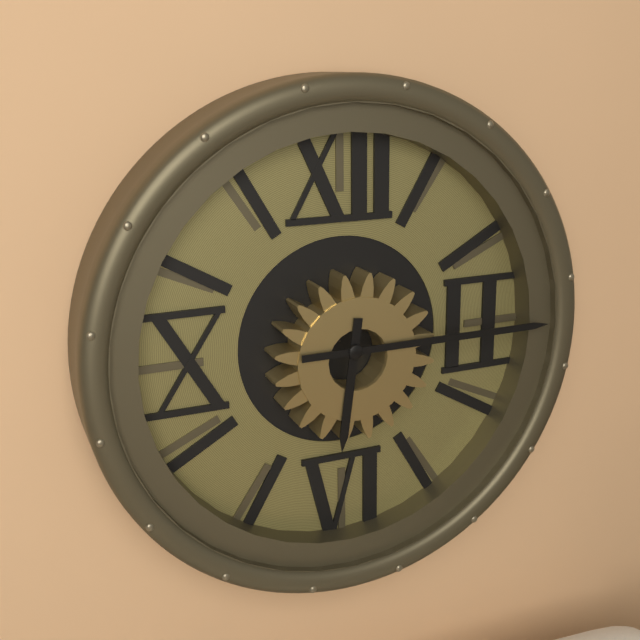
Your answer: 6 h 15 min
